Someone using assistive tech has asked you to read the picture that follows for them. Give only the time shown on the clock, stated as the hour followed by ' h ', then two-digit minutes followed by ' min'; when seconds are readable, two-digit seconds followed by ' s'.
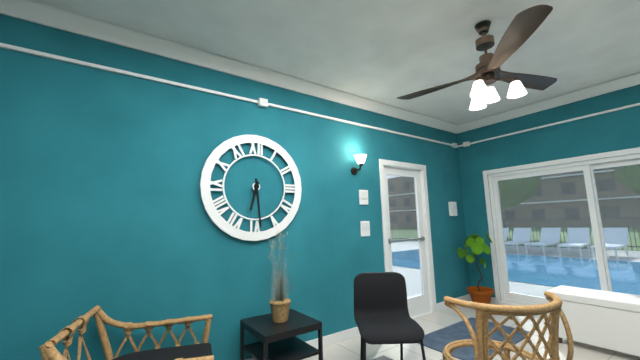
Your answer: 6 h 29 min
